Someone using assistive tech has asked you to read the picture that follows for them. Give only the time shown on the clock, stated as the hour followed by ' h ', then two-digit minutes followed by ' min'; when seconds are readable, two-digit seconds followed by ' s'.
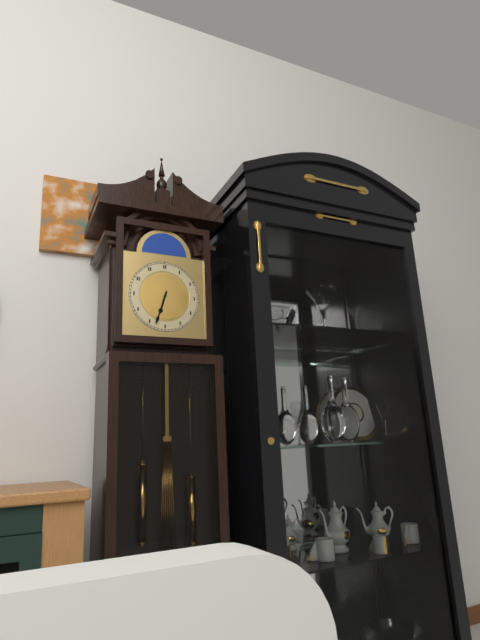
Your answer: 6 h 33 min
